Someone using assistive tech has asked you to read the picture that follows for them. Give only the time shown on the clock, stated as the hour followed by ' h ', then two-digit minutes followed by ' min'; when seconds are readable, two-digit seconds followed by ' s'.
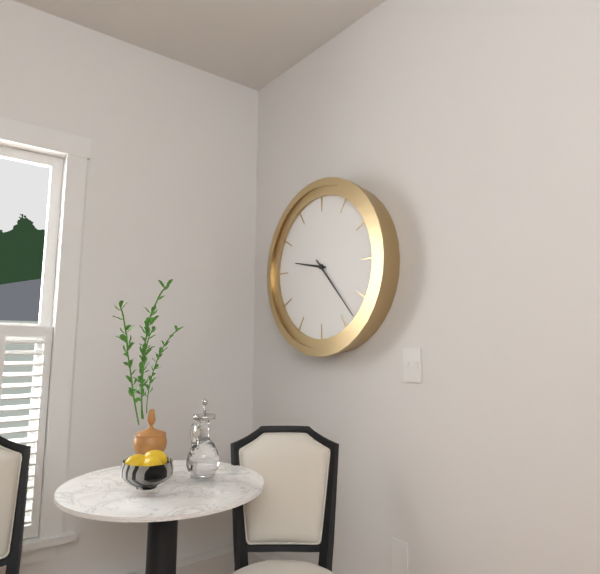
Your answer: 9 h 23 min
